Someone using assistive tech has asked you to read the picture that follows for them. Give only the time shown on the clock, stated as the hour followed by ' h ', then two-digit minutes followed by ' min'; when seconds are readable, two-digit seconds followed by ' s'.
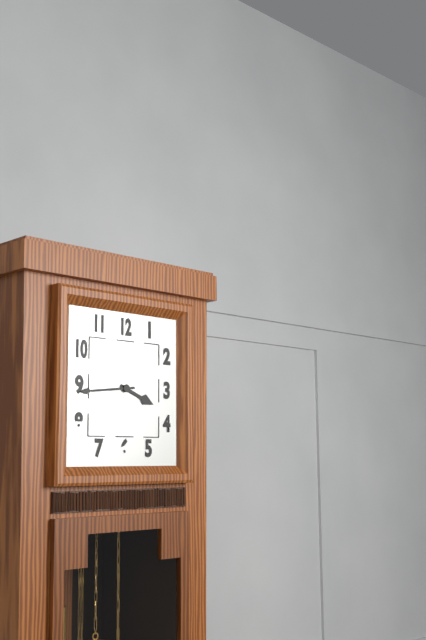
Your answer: 3 h 44 min
